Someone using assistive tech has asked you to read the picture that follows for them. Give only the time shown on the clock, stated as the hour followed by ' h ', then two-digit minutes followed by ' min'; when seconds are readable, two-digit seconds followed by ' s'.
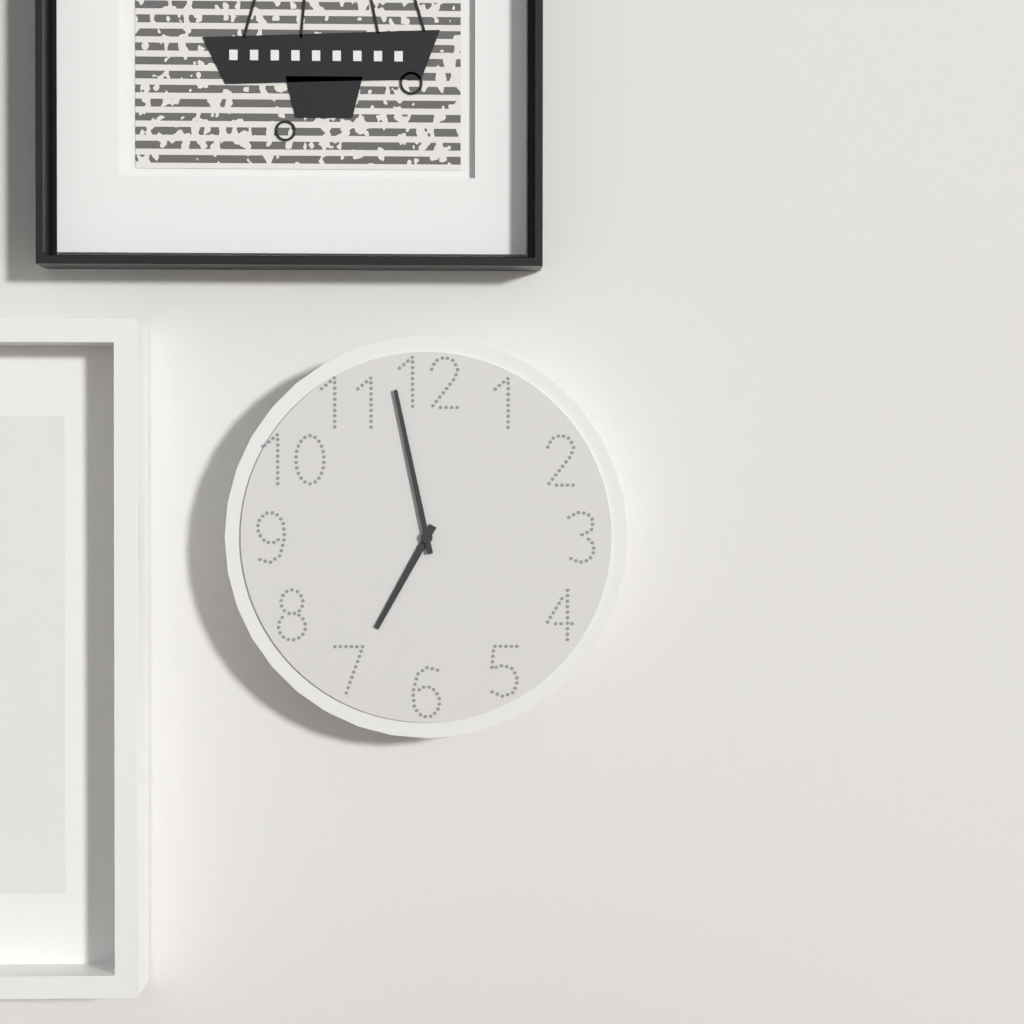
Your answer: 6 h 58 min
